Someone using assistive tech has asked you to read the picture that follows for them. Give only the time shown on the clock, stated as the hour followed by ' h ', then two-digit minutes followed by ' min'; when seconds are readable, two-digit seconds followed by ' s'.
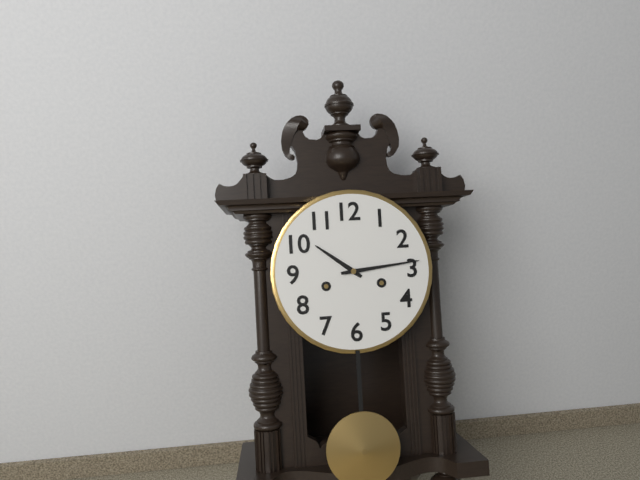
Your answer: 10 h 14 min
